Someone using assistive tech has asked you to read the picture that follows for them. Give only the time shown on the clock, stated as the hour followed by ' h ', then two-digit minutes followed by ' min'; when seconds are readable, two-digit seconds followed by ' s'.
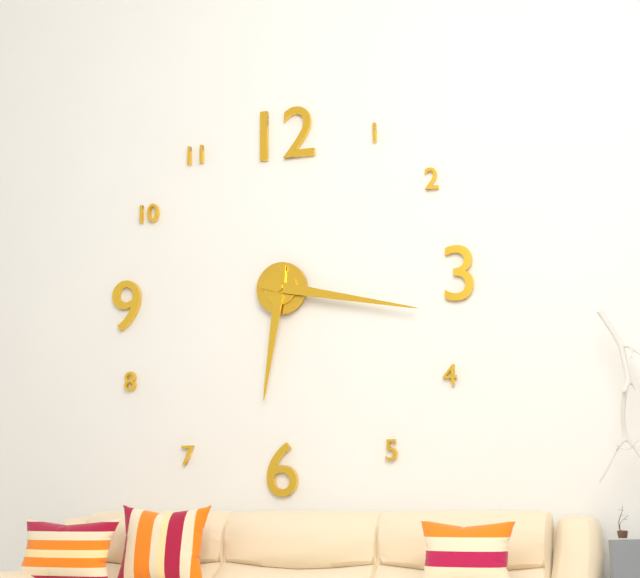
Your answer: 6 h 17 min
